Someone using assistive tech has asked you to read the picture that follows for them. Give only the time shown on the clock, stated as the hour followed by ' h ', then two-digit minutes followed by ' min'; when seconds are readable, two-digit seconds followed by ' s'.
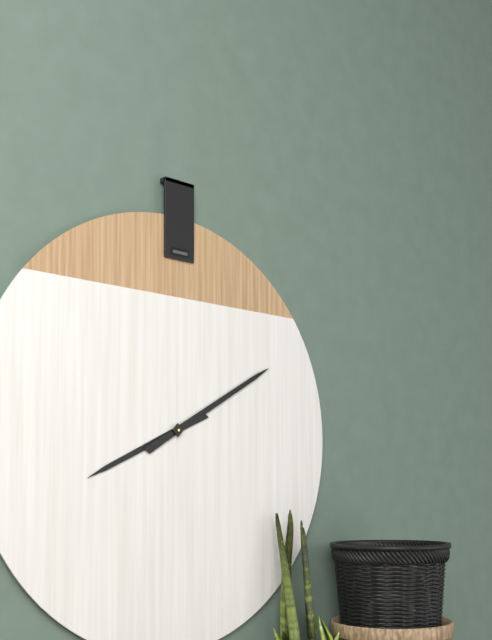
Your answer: 8 h 10 min
